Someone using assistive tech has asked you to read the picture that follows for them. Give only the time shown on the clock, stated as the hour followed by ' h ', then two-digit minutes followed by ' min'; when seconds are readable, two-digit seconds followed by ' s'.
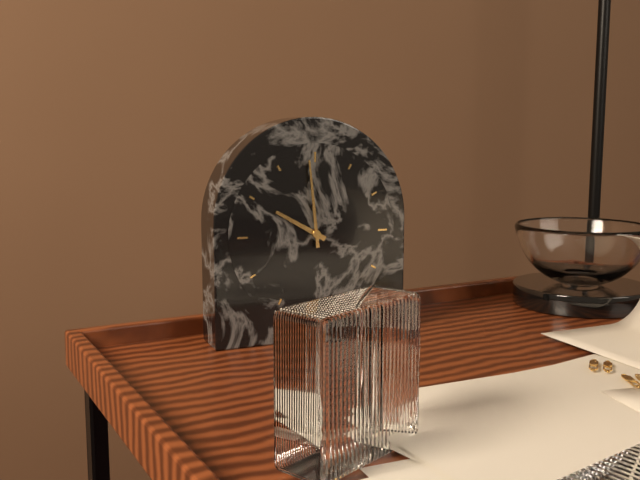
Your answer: 9 h 59 min
